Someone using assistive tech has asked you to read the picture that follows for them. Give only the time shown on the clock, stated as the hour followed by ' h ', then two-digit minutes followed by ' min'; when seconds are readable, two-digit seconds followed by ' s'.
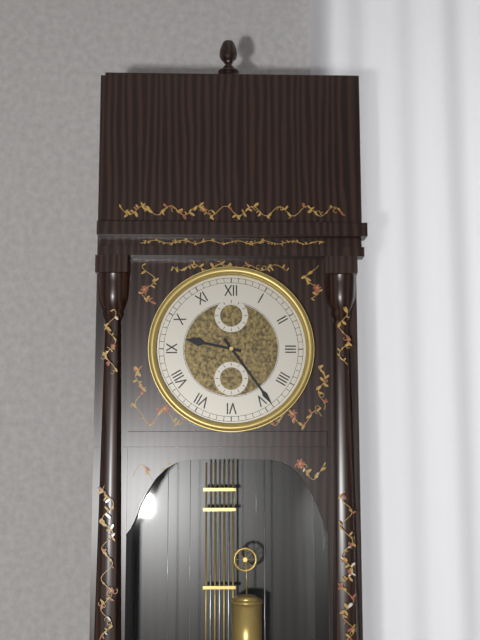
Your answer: 9 h 24 min
